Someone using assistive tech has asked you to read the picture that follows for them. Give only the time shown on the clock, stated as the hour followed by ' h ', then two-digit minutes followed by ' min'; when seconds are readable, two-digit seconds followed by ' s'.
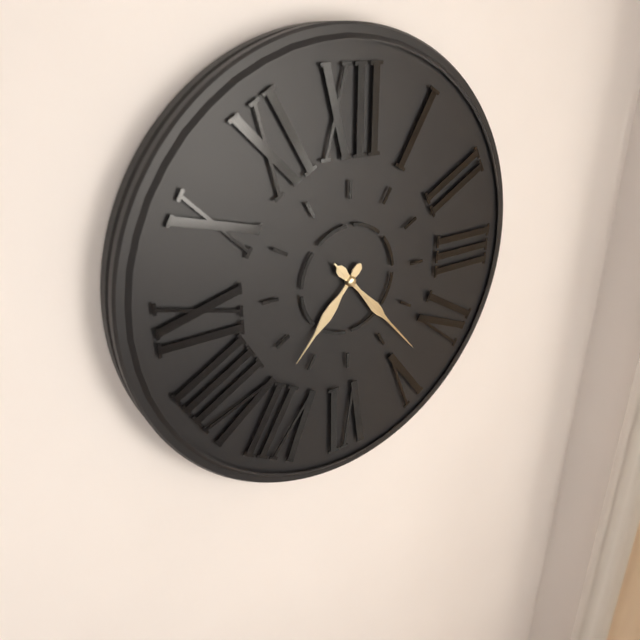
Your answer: 7 h 23 min 23 s
